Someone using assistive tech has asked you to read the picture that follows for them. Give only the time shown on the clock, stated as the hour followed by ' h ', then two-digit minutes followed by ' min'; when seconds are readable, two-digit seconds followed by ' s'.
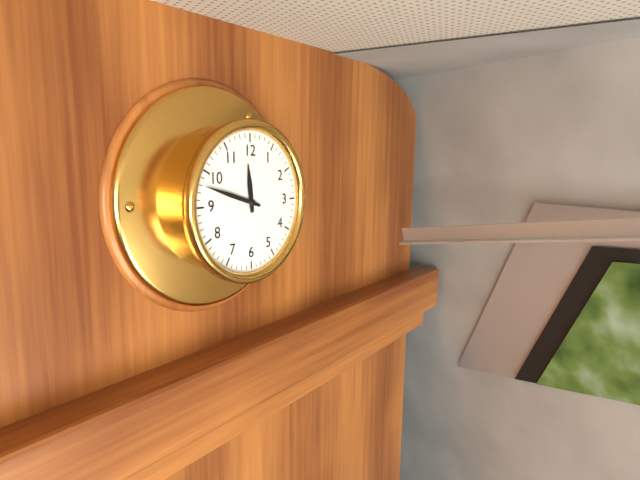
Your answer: 11 h 48 min
